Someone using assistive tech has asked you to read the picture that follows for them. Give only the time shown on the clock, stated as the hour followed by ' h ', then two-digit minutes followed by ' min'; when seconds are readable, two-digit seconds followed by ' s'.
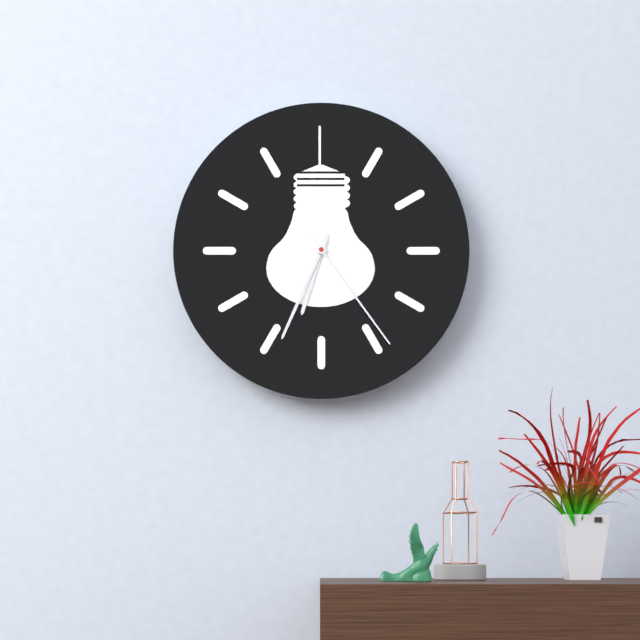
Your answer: 6 h 34 min 24 s
